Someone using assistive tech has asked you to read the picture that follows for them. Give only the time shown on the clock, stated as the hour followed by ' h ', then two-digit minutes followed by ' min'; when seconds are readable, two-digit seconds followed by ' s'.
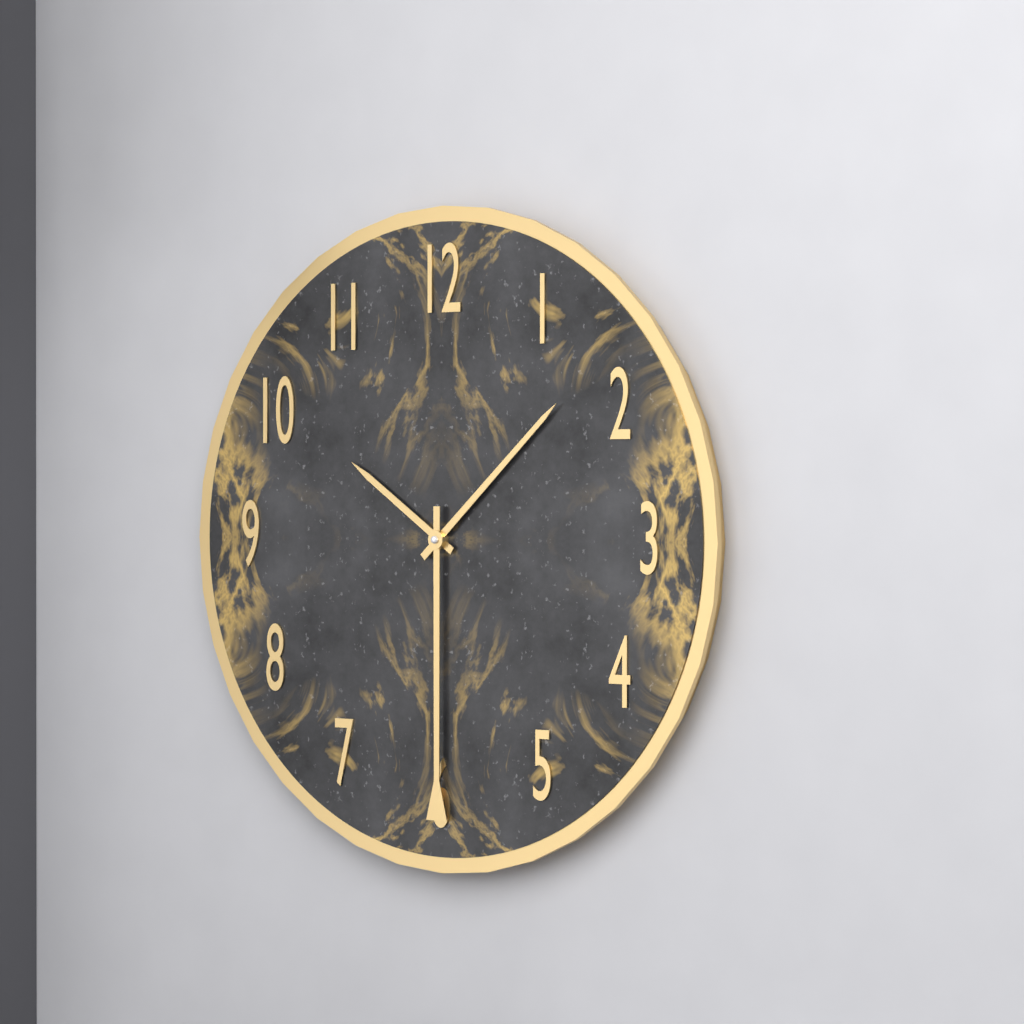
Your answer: 10 h 08 min 30 s
